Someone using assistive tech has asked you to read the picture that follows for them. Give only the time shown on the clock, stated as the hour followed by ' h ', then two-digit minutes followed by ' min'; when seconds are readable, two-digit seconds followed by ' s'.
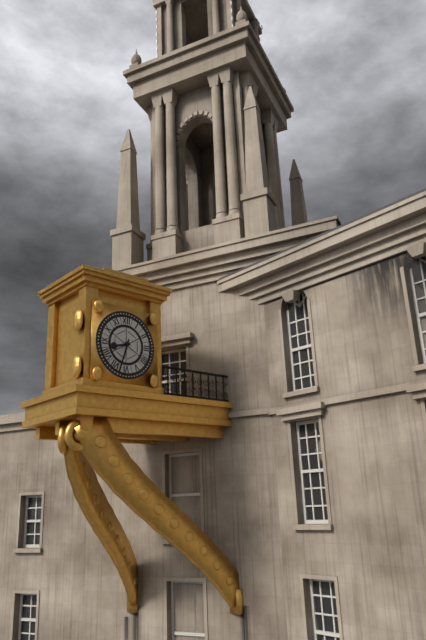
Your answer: 8 h 33 min
